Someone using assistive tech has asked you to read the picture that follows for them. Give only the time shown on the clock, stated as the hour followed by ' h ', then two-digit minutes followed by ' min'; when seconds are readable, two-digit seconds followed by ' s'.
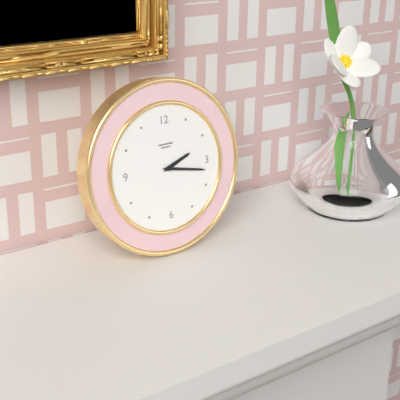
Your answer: 2 h 17 min
